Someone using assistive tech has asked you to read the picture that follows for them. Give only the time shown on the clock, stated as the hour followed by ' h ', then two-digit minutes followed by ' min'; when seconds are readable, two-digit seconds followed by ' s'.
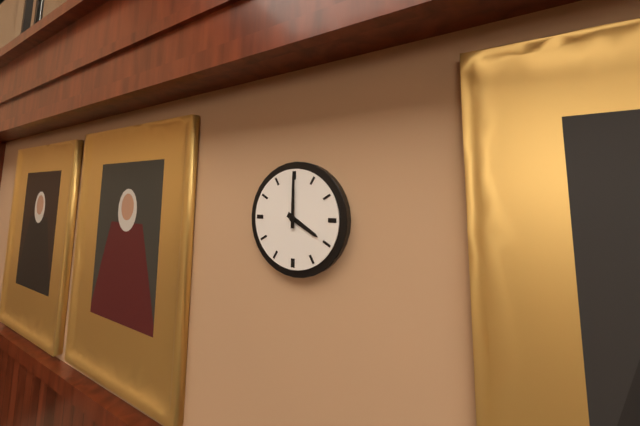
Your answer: 4 h 00 min
